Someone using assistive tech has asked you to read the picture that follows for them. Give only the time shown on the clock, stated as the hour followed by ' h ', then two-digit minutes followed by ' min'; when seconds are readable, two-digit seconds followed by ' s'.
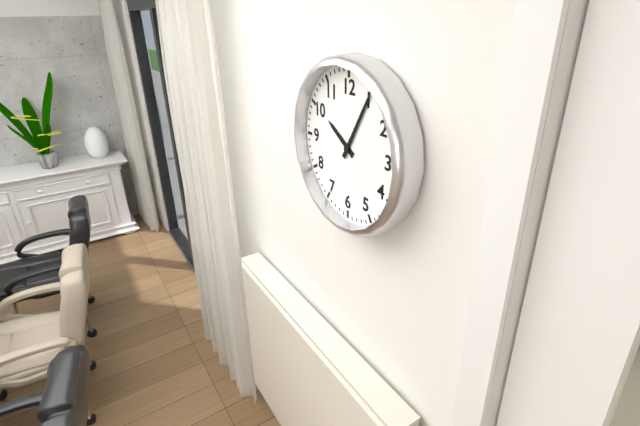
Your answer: 10 h 05 min
